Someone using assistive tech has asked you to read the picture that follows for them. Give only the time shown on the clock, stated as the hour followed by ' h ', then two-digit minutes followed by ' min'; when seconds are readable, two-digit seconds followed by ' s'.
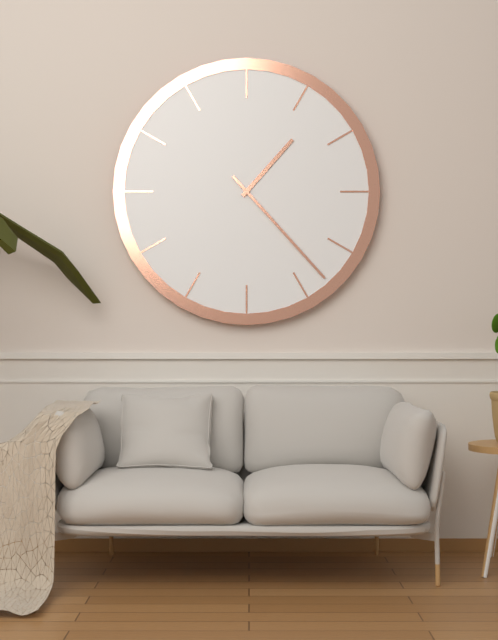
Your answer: 1 h 23 min
